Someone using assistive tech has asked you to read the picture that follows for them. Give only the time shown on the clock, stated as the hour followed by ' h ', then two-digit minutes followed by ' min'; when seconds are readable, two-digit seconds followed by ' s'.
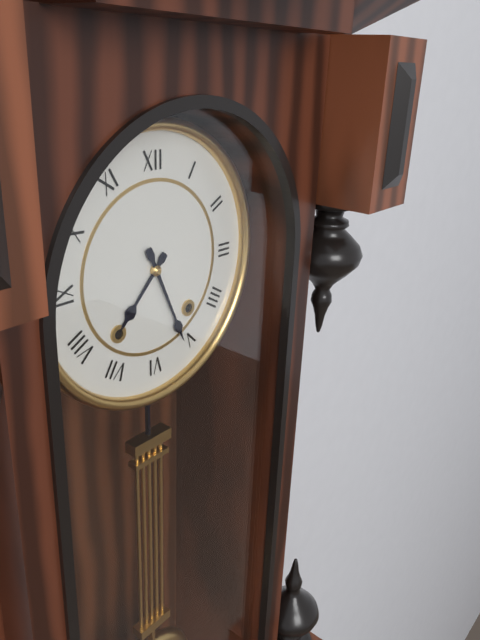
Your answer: 7 h 26 min
